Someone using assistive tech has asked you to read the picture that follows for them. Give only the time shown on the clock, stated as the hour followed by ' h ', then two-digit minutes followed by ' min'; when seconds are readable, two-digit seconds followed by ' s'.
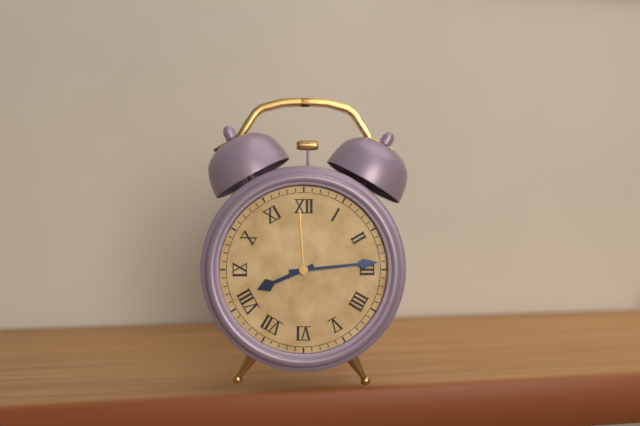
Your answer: 8 h 14 min
